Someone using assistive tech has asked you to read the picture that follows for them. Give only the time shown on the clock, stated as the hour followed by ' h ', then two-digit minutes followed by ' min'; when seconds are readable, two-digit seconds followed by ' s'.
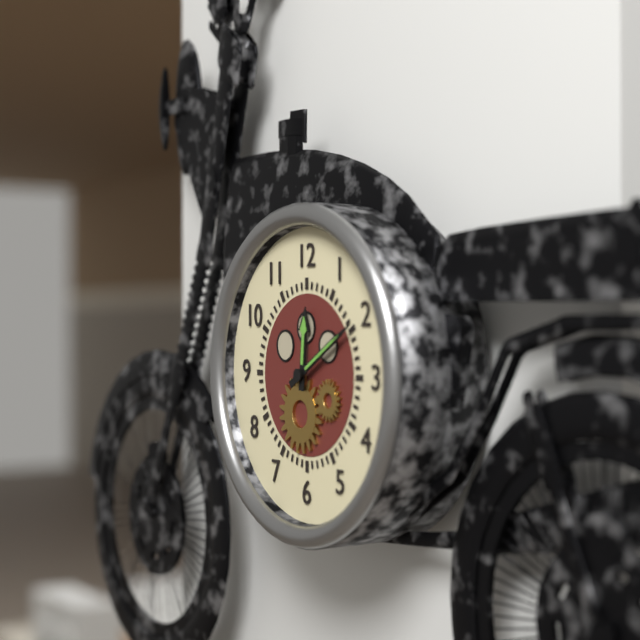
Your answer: 12 h 10 min
